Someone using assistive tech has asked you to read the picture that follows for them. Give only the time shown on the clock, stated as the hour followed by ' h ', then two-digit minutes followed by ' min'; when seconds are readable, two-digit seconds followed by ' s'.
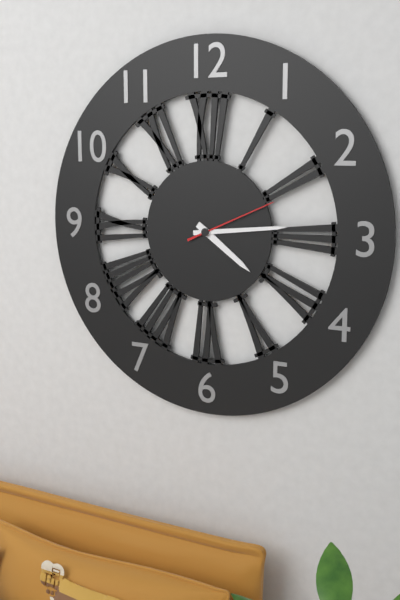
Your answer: 4 h 14 min 11 s
